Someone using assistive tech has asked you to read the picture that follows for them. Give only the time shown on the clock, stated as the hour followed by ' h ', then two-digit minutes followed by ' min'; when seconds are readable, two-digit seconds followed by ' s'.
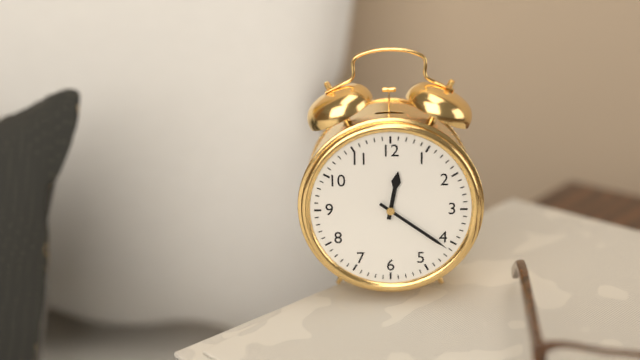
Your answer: 12 h 21 min
